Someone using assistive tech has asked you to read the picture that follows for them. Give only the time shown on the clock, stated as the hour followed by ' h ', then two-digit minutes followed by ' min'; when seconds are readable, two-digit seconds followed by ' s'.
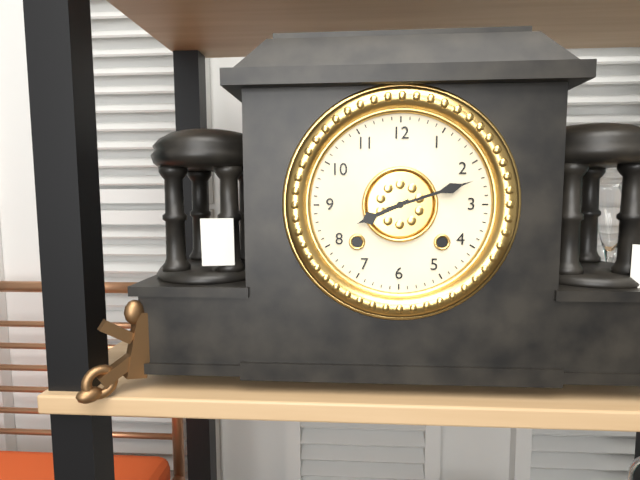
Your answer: 8 h 12 min
